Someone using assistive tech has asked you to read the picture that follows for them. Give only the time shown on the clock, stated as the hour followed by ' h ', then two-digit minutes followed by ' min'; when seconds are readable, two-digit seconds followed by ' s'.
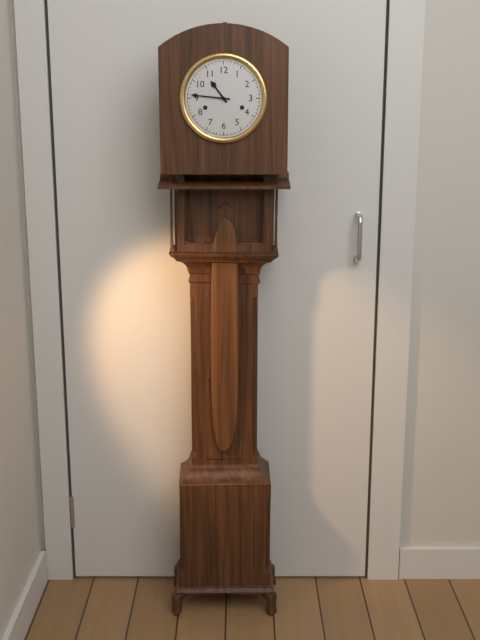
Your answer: 10 h 46 min
